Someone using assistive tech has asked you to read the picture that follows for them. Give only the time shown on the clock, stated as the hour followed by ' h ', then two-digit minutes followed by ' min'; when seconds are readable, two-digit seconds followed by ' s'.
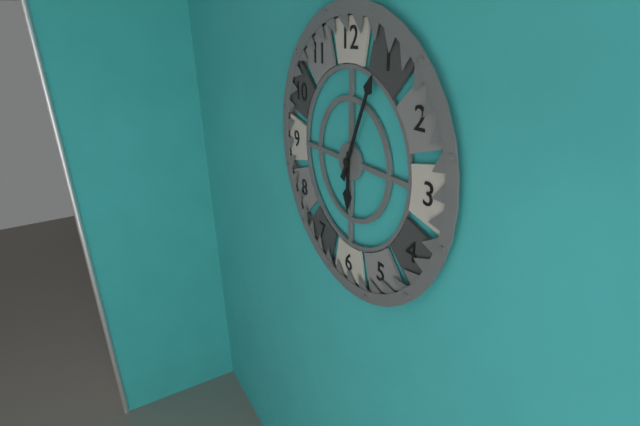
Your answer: 6 h 04 min
